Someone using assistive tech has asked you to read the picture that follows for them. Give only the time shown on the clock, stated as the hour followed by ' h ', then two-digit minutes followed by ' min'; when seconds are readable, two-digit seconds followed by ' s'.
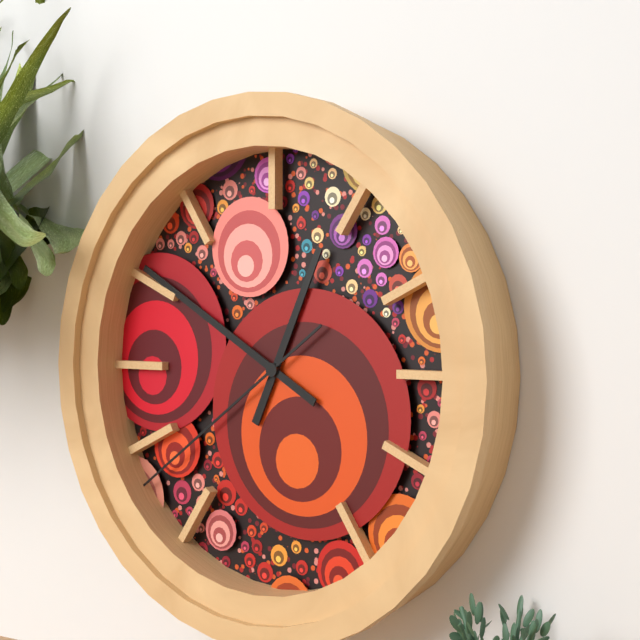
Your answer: 12 h 50 min 39 s
